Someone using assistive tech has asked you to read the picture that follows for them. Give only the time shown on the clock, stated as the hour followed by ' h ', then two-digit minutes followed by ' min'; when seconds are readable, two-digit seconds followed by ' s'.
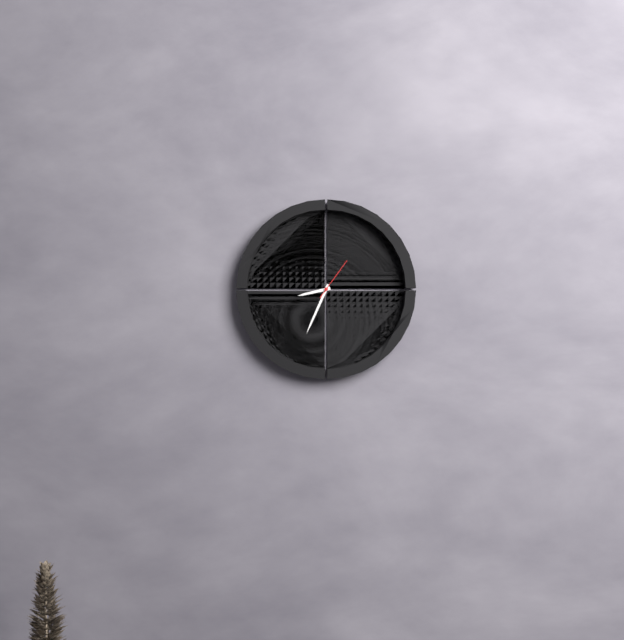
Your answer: 8 h 34 min
